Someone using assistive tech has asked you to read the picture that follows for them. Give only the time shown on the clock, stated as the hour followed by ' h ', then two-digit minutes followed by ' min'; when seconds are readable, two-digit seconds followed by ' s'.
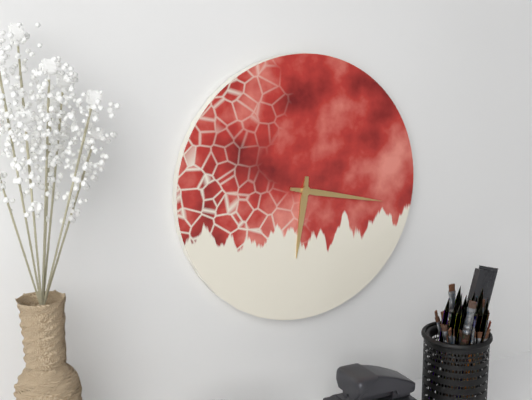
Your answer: 6 h 17 min
